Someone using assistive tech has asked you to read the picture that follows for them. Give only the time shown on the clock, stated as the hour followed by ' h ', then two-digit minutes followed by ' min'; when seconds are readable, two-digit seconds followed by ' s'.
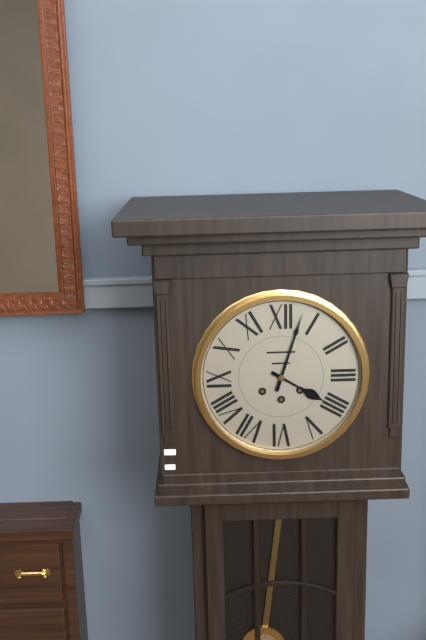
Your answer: 4 h 03 min
